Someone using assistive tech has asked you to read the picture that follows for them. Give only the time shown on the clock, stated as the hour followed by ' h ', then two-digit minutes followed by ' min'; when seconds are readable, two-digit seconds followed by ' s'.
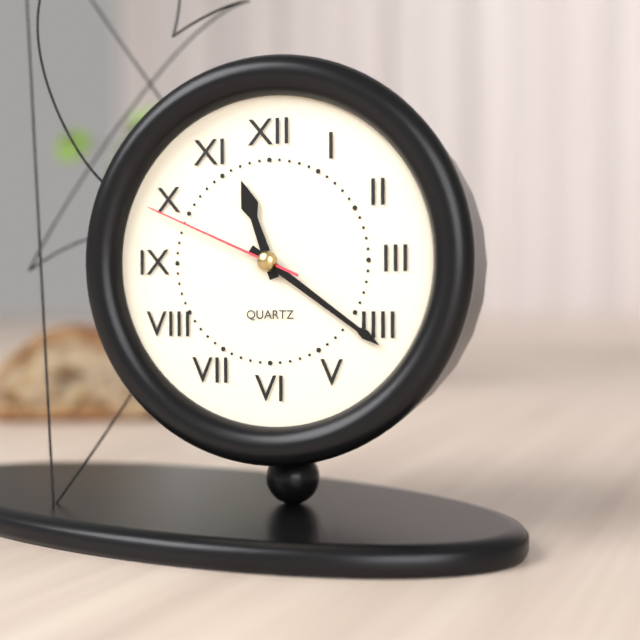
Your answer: 11 h 21 min 49 s
